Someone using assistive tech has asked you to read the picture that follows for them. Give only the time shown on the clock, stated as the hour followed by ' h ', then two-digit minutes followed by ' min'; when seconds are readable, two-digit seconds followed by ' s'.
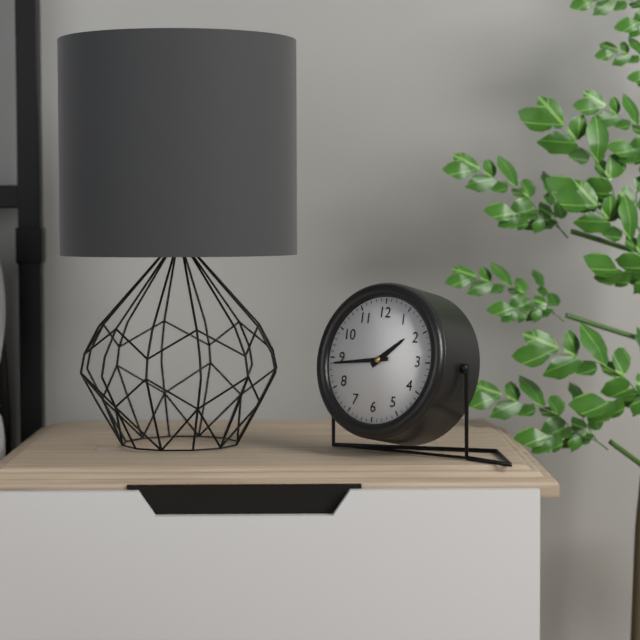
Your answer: 1 h 44 min
